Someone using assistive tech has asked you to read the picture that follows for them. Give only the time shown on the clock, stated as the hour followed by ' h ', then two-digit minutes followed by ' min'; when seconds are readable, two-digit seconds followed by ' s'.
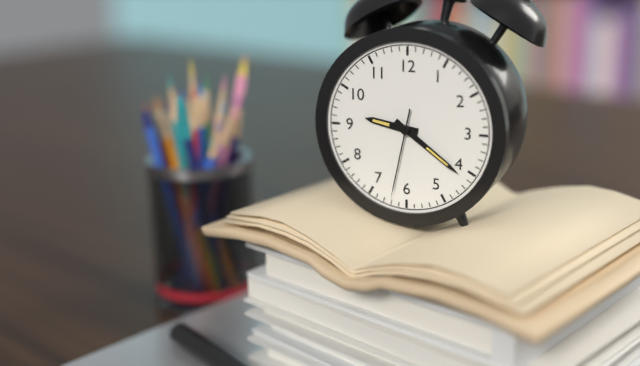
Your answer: 9 h 21 min 32 s
